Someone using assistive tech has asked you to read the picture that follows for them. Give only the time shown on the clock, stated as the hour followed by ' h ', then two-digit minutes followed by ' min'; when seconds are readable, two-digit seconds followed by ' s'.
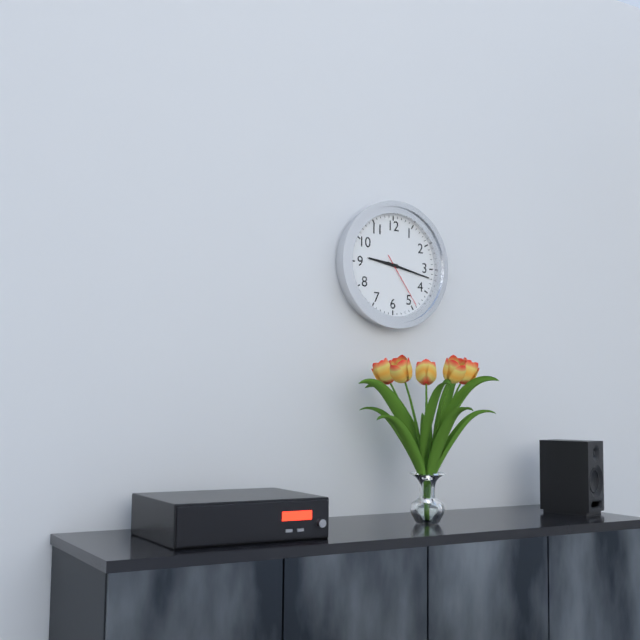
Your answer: 9 h 17 min 24 s
